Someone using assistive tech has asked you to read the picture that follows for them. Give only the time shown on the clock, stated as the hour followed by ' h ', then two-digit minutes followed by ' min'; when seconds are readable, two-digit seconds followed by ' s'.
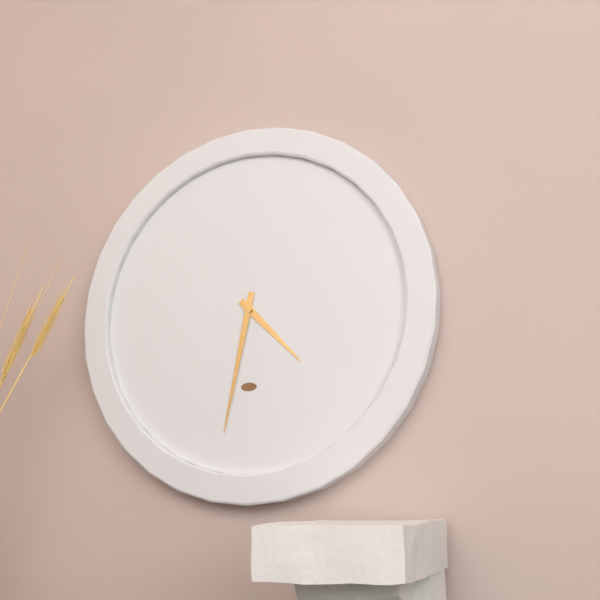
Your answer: 4 h 32 min
